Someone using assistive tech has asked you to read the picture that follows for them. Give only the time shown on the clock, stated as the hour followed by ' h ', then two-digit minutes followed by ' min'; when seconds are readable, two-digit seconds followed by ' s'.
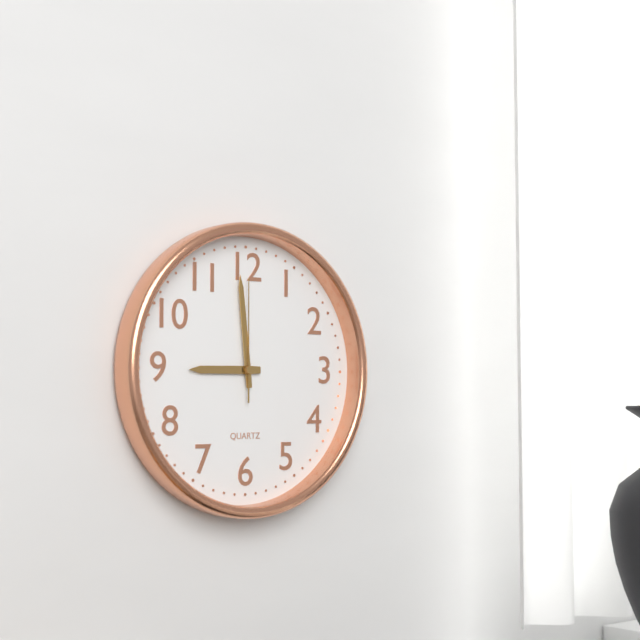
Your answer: 8 h 59 min 00 s
